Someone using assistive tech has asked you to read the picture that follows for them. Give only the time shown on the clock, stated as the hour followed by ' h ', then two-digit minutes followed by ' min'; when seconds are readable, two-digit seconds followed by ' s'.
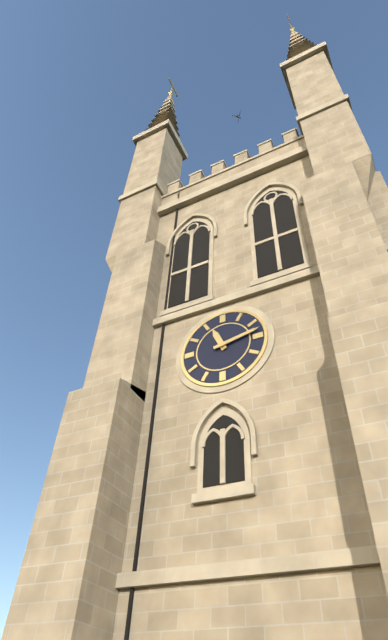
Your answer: 11 h 13 min
